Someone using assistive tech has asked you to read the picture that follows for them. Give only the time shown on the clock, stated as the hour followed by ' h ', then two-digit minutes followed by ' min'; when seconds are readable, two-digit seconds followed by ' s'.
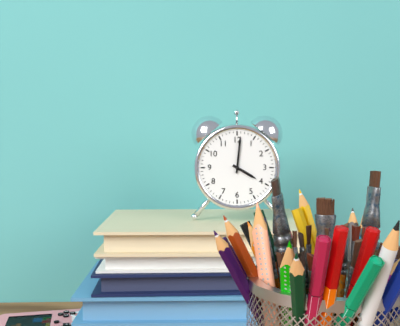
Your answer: 4 h 01 min
